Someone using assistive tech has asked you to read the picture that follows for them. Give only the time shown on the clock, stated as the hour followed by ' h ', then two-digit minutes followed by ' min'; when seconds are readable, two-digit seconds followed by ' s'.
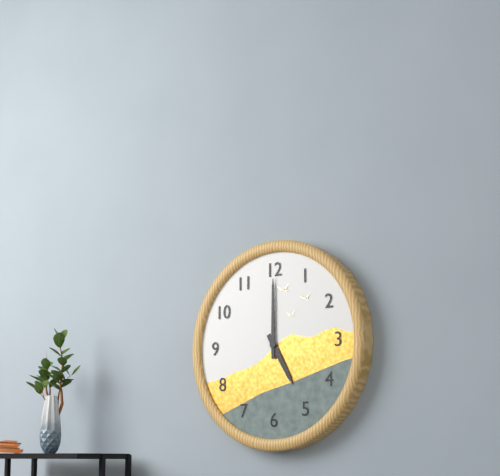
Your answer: 5 h 00 min
